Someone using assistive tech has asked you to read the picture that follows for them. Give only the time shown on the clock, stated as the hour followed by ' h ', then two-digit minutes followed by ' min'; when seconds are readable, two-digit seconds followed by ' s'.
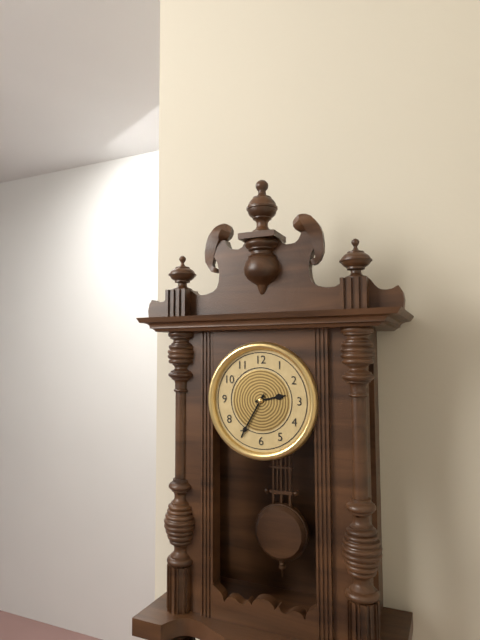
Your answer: 2 h 35 min
